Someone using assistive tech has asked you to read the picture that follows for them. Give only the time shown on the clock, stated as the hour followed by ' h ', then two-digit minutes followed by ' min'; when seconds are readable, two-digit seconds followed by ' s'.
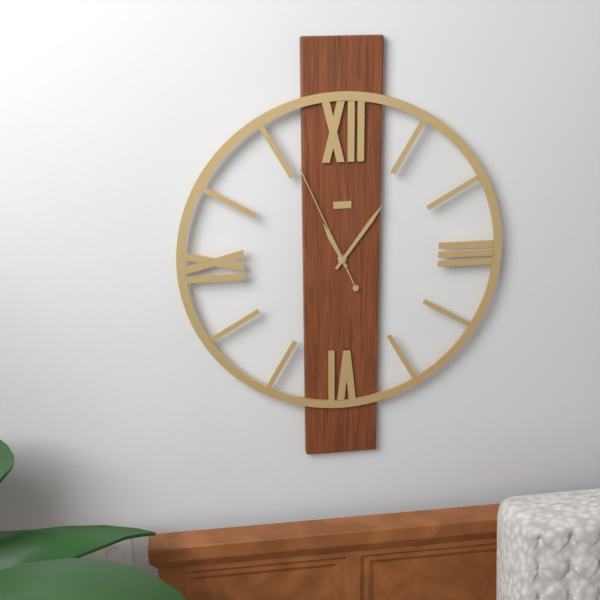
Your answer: 11 h 06 min 56 s
